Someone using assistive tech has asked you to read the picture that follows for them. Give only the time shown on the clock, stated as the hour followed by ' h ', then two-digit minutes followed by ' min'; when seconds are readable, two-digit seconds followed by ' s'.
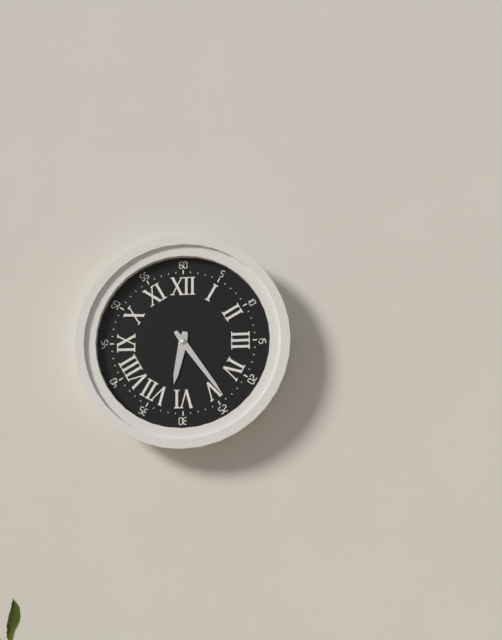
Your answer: 6 h 24 min
